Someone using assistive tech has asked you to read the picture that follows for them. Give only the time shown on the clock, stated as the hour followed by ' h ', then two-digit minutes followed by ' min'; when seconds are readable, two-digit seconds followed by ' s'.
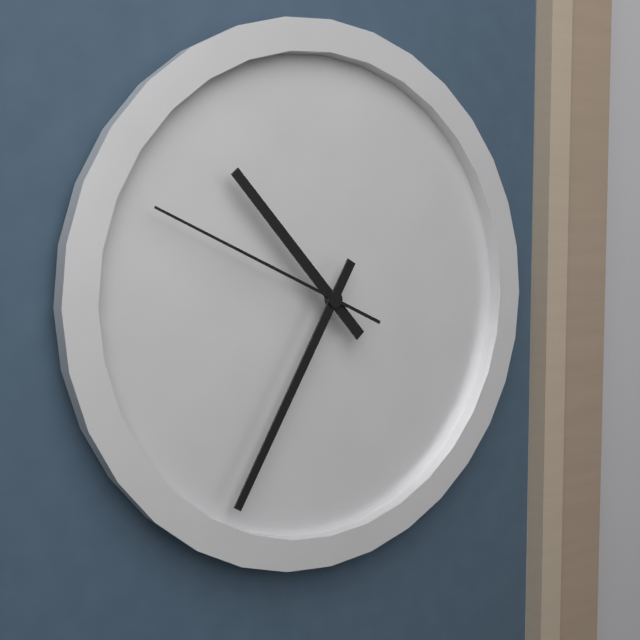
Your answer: 10 h 35 min 49 s
